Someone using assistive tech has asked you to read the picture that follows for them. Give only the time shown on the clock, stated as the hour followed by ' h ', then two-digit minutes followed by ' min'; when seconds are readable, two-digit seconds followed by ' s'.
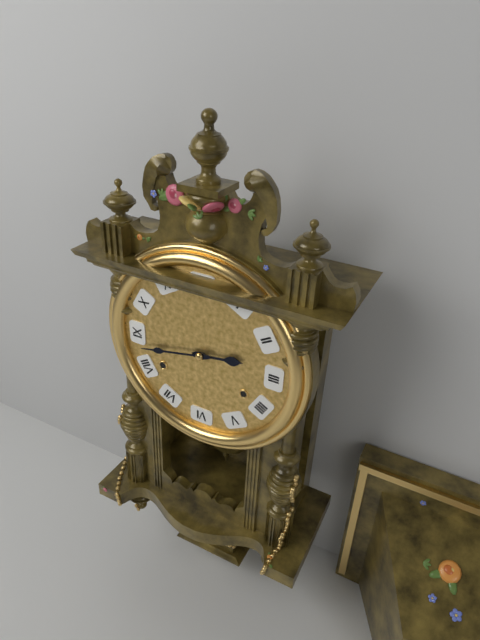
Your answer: 2 h 43 min
